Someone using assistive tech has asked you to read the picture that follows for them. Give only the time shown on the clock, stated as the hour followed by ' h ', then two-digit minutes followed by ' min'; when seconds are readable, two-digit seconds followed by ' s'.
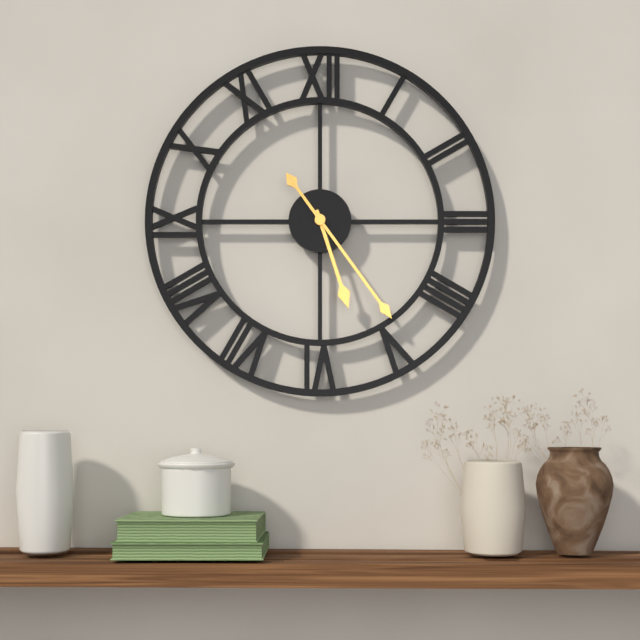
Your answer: 5 h 24 min
